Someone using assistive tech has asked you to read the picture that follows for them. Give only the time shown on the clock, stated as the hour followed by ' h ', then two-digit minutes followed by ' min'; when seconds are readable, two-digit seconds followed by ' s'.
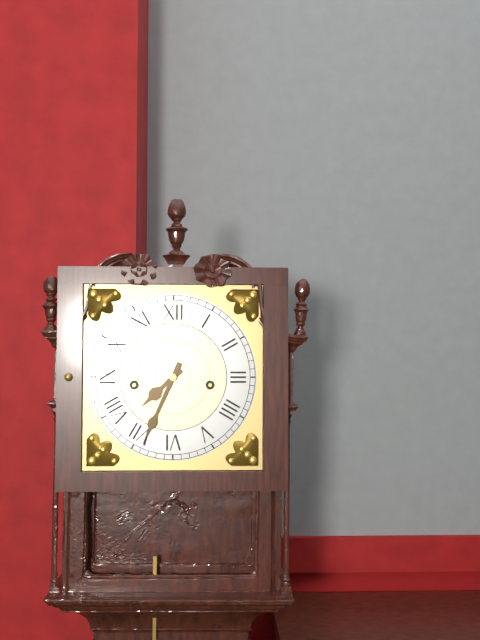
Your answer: 7 h 34 min
